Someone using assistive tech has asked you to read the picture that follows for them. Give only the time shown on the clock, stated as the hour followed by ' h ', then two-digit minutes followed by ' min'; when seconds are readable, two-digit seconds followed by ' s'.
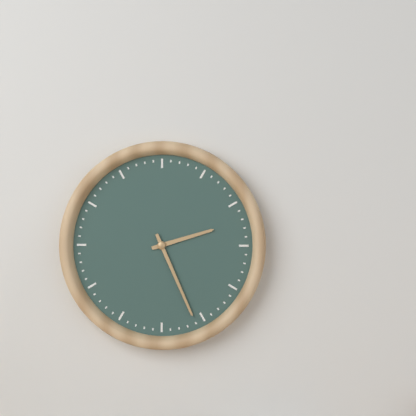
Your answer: 2 h 26 min
